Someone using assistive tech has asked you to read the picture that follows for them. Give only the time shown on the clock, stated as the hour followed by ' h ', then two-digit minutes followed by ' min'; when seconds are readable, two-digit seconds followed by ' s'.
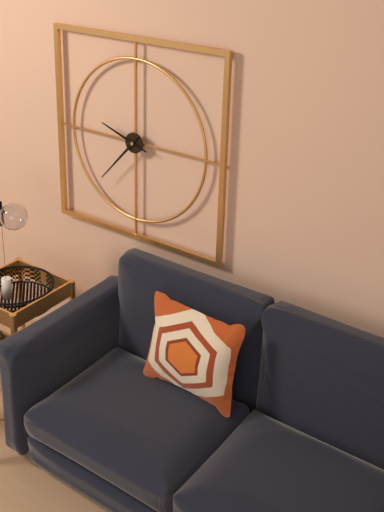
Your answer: 9 h 37 min
